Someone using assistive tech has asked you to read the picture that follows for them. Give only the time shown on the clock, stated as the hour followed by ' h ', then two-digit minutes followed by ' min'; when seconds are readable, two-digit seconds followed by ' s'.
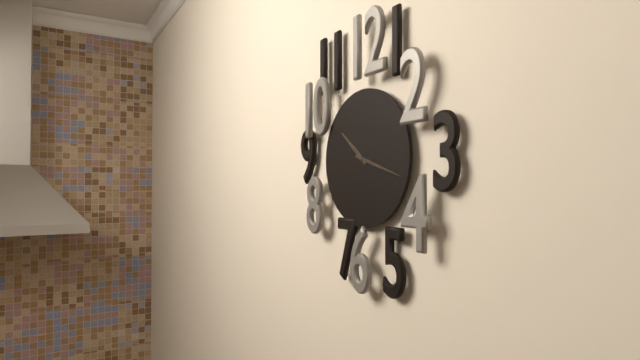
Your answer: 10 h 18 min
